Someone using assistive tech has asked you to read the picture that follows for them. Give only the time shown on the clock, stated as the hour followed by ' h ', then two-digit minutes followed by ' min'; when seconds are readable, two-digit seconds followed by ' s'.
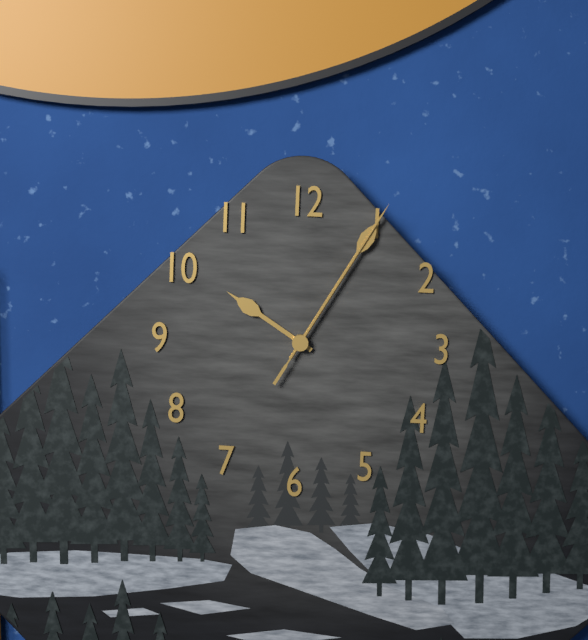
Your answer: 10 h 05 min 05 s
